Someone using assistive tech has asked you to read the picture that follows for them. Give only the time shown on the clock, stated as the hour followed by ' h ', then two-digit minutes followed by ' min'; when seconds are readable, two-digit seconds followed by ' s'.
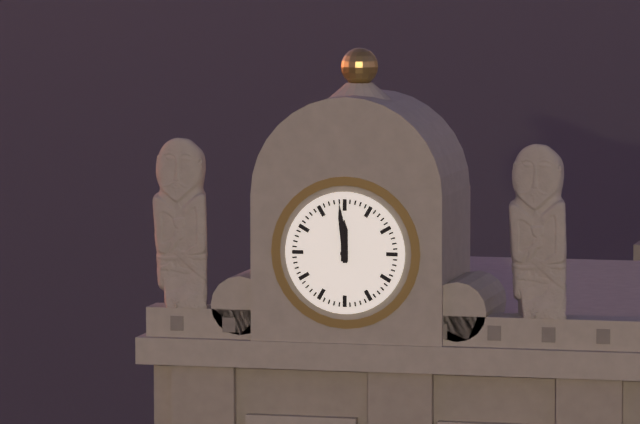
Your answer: 11 h 59 min
